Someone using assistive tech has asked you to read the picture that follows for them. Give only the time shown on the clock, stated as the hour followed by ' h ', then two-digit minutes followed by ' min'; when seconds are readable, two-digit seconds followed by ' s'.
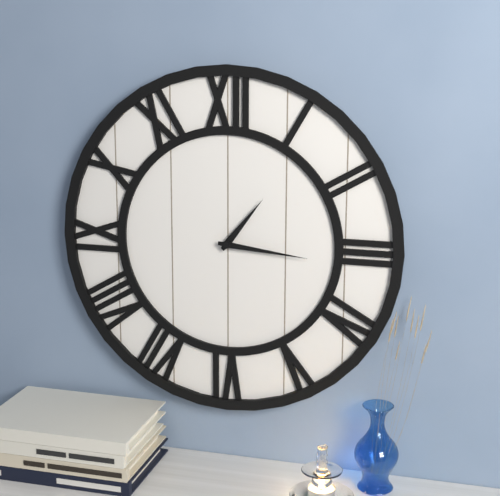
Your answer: 1 h 16 min
